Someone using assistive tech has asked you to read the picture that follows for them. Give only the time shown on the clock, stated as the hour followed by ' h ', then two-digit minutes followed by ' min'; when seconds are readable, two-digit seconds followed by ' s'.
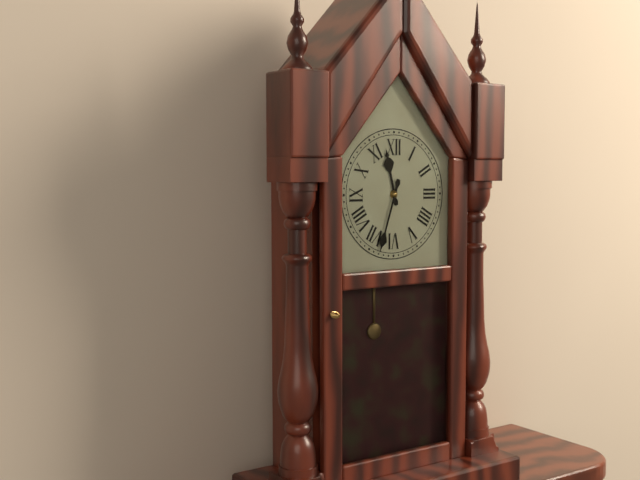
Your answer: 11 h 33 min
